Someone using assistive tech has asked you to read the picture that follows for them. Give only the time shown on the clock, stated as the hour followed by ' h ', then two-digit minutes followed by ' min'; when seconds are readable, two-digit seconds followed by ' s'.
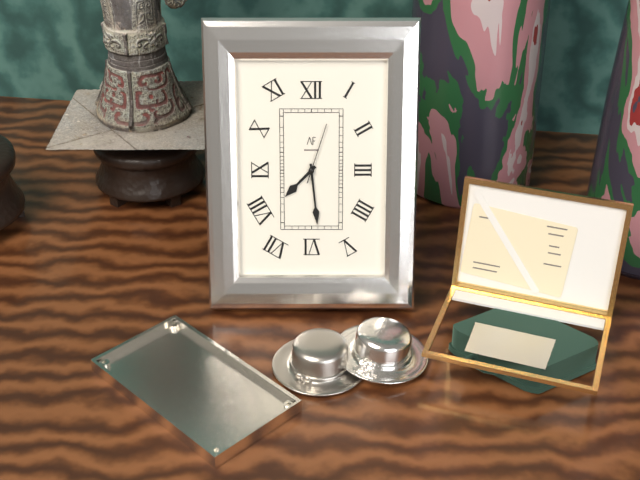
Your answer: 7 h 29 min 03 s
